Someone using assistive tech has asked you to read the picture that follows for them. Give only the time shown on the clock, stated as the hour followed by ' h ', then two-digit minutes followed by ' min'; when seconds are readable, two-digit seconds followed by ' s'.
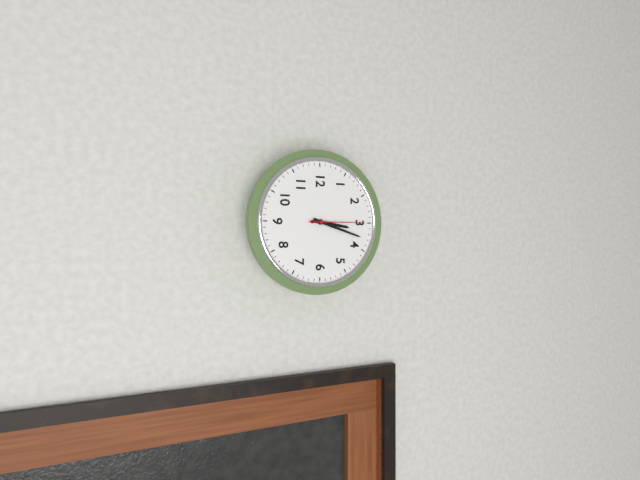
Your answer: 3 h 18 min 15 s
